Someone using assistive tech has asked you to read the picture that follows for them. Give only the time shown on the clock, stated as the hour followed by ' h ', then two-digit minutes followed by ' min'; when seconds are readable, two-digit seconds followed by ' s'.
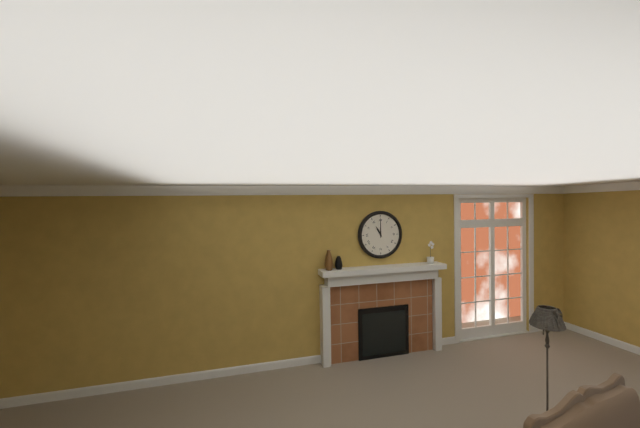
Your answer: 11 h 00 min
